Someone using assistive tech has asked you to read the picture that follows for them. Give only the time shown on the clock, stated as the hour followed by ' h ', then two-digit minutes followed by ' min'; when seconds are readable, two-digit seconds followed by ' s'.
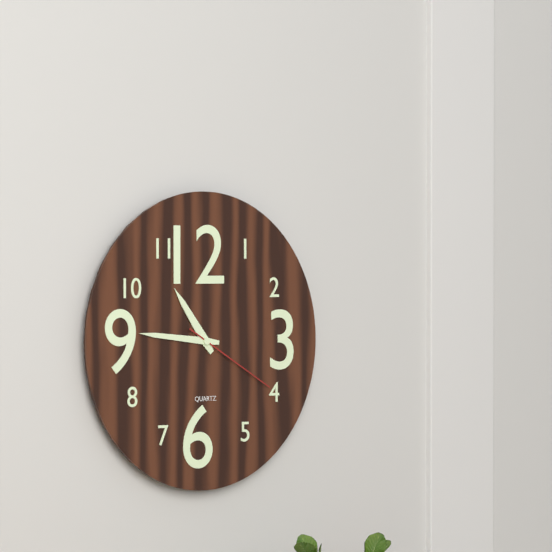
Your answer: 10 h 46 min 20 s
